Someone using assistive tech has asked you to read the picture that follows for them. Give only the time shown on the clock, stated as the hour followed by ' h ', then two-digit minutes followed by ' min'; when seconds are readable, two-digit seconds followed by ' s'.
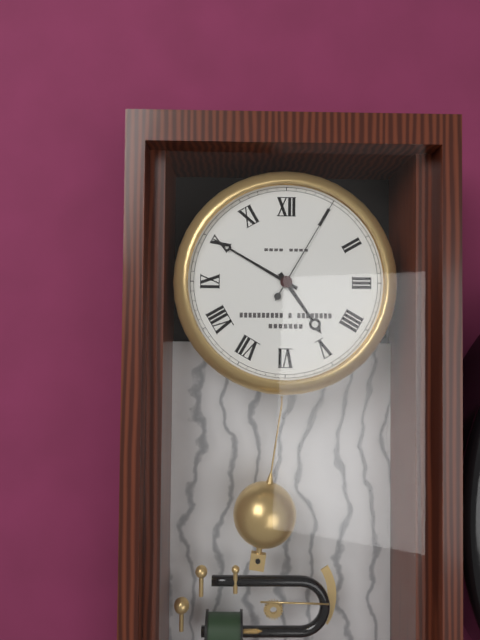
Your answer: 4 h 50 min 05 s
